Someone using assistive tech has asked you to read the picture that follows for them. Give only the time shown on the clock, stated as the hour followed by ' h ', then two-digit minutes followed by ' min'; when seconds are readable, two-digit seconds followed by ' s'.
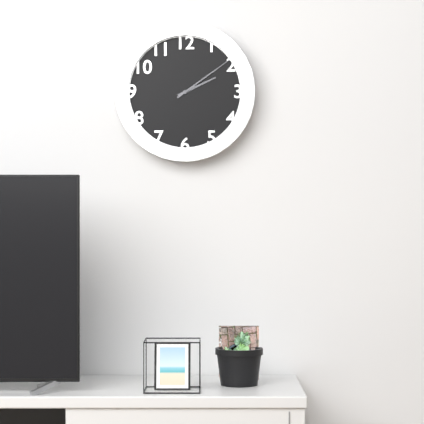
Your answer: 2 h 09 min
